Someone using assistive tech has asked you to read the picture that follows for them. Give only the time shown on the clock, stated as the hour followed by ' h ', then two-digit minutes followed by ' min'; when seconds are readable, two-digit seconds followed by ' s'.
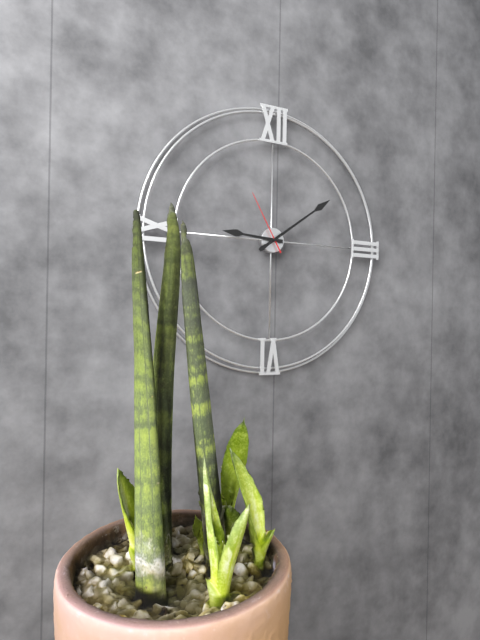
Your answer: 9 h 09 min 55 s
